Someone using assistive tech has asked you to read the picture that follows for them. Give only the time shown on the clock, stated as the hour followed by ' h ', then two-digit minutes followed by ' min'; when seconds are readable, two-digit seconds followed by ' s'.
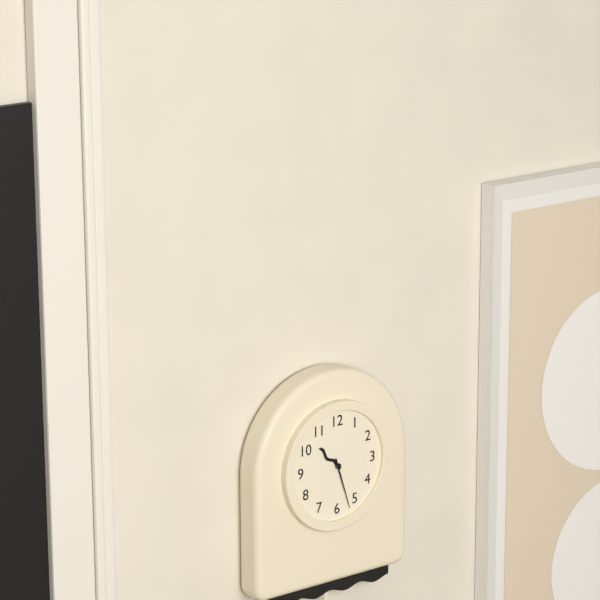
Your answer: 10 h 27 min
